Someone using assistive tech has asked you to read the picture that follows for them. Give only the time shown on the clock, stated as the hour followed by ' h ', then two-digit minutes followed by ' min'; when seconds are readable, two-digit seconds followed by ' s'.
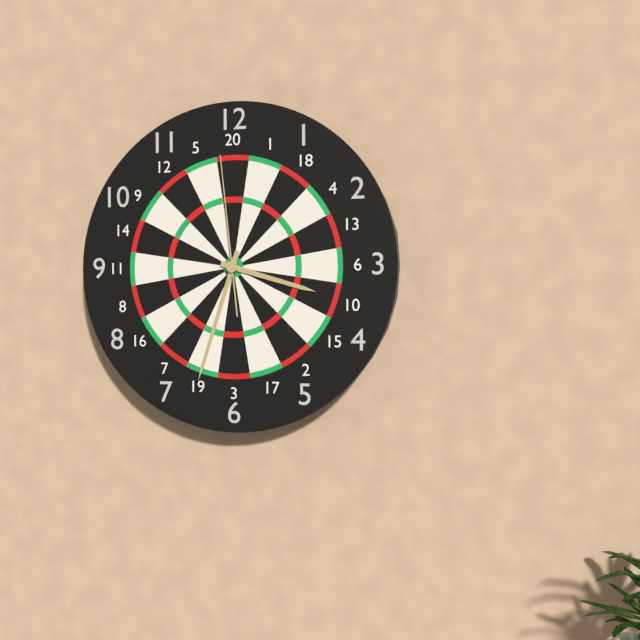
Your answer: 3 h 33 min 59 s
